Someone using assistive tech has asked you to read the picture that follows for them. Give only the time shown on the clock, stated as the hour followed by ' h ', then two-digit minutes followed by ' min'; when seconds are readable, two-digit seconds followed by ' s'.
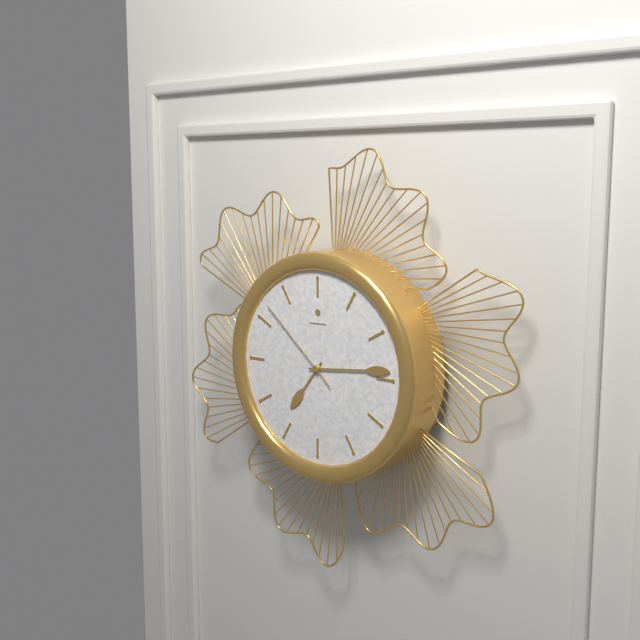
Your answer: 7 h 14 min 52 s
